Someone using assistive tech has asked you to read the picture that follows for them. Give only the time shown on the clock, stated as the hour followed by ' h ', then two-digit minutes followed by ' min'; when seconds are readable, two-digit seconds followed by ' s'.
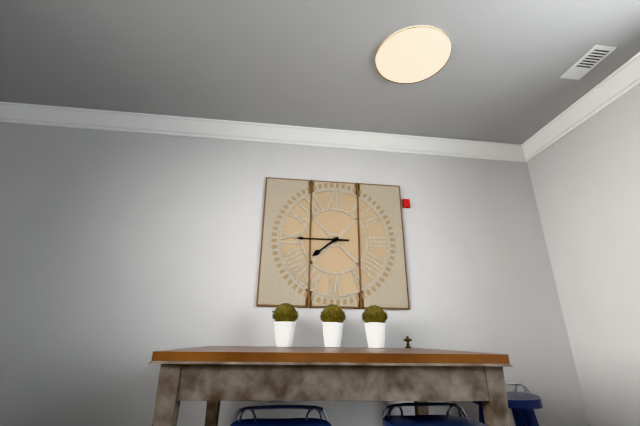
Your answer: 7 h 45 min
